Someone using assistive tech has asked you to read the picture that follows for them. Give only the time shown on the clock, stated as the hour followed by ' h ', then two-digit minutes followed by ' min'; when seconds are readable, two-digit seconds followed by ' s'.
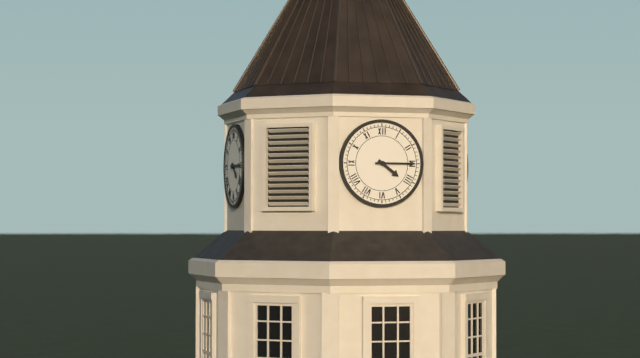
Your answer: 4 h 15 min
